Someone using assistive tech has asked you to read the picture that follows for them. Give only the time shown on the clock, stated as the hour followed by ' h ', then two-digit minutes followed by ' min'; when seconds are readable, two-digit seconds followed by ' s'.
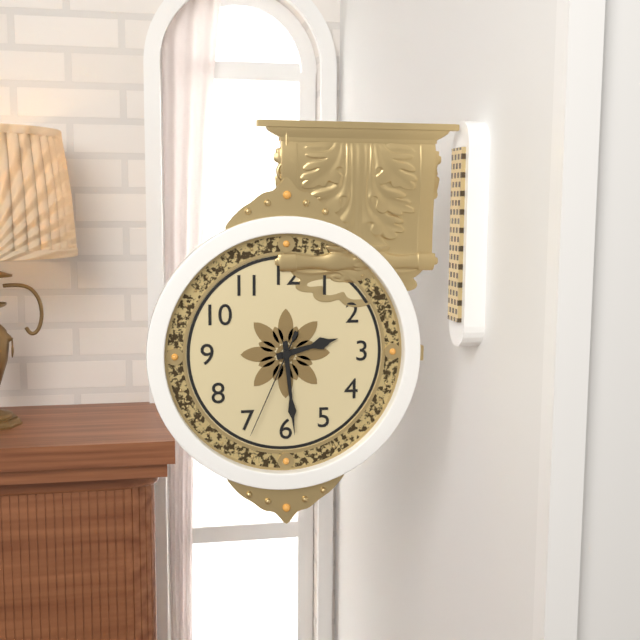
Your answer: 2 h 29 min 34 s
